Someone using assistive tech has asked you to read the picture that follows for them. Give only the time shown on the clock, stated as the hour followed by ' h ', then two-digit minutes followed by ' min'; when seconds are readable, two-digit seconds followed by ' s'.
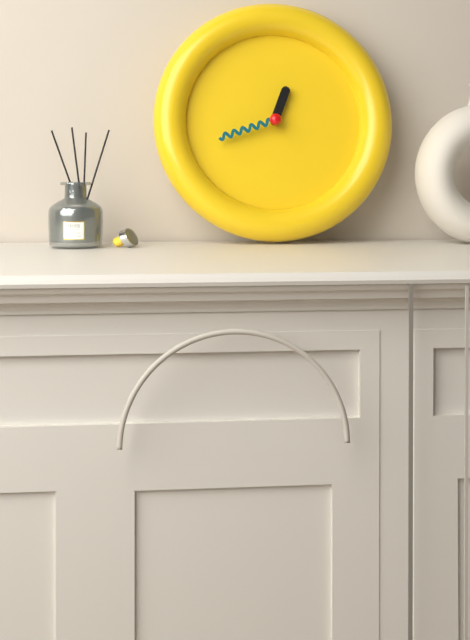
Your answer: 12 h 42 min
